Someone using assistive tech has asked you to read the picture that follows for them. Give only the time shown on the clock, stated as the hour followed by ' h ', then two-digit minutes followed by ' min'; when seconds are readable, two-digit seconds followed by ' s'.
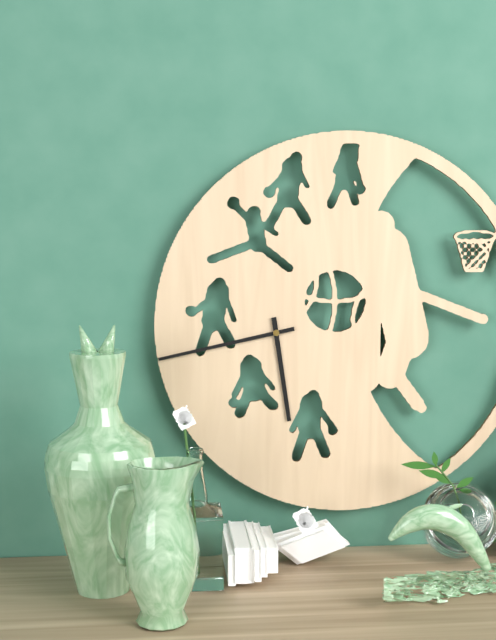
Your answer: 5 h 43 min
